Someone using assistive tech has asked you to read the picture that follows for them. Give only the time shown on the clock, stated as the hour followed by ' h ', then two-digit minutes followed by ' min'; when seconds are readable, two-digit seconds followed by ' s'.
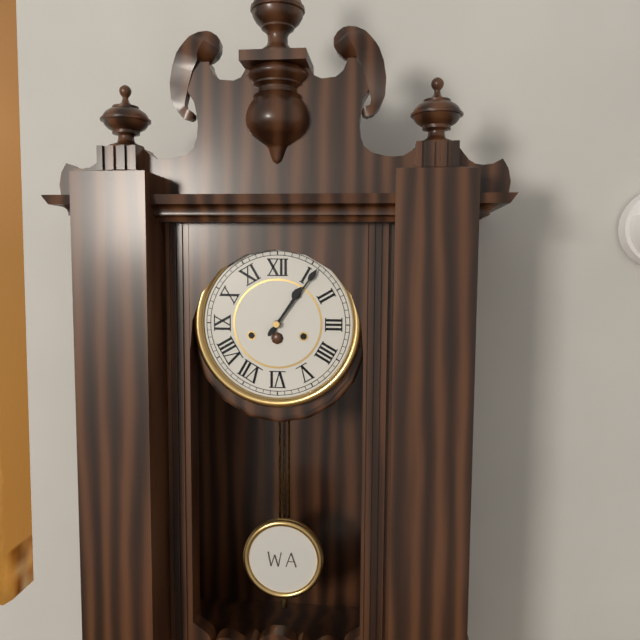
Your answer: 1 h 06 min
